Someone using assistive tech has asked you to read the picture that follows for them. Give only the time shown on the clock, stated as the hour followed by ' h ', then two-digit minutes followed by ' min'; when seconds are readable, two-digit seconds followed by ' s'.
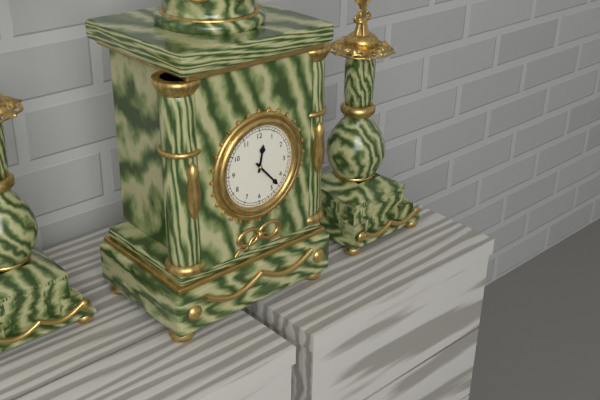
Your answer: 12 h 23 min
